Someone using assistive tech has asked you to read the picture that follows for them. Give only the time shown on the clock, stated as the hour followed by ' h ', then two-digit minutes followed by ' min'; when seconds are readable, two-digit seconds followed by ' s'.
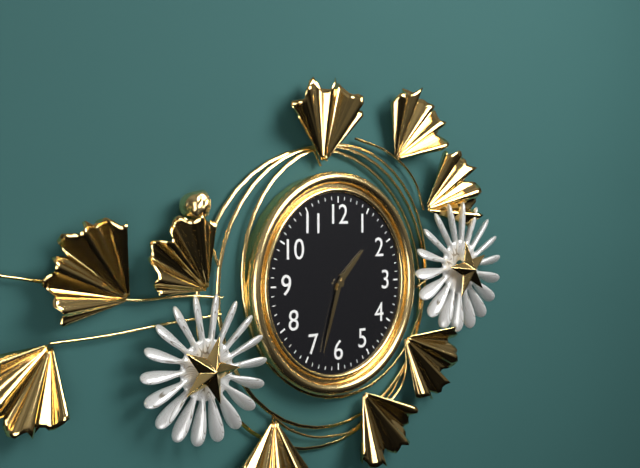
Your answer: 1 h 33 min
